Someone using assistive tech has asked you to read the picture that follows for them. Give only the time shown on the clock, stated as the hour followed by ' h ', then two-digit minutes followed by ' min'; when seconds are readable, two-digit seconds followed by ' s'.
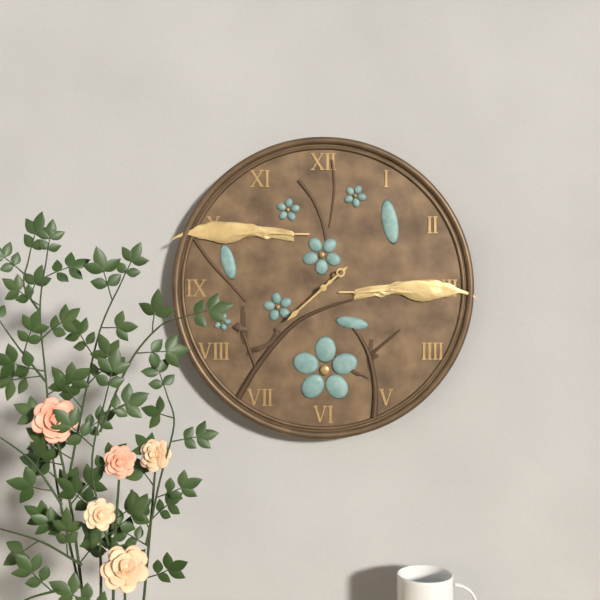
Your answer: 1 h 38 min
